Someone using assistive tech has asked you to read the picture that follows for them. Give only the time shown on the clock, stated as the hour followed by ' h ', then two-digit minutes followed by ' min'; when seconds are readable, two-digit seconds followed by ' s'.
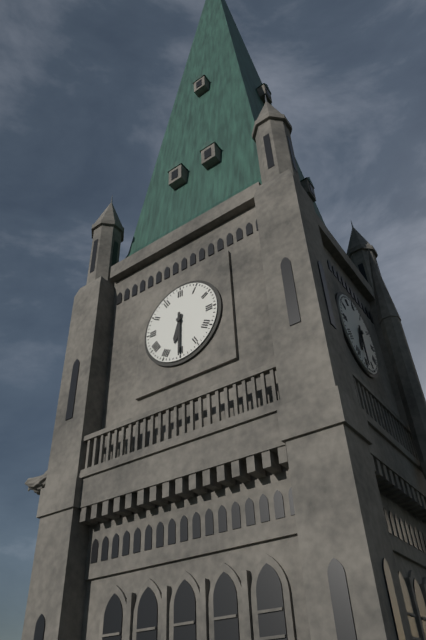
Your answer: 6 h 30 min
